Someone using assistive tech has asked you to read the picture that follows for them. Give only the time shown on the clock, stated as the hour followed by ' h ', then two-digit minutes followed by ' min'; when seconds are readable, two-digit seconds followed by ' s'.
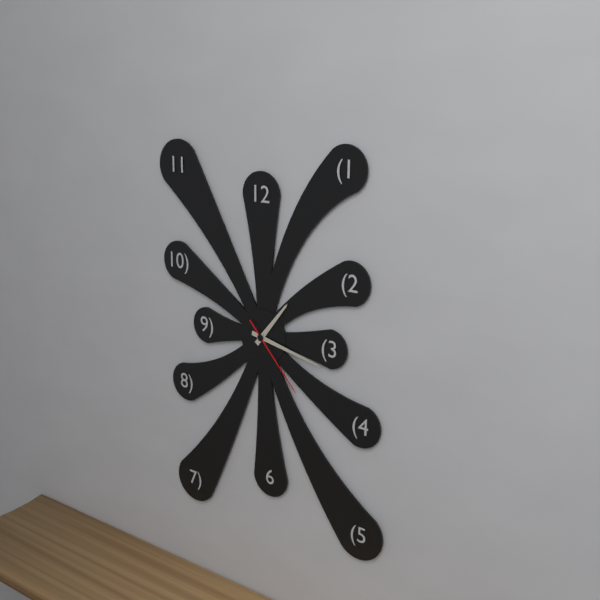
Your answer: 1 h 17 min 23 s
